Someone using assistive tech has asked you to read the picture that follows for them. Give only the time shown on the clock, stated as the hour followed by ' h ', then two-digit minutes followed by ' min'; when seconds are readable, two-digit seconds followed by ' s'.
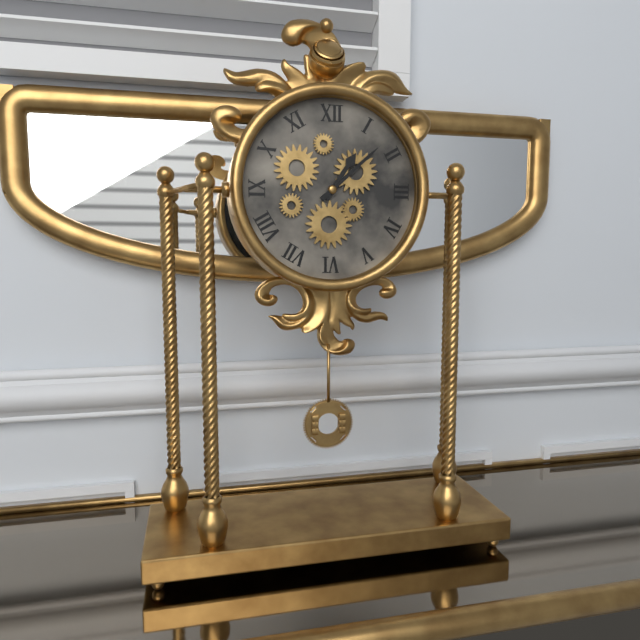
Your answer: 1 h 08 min
